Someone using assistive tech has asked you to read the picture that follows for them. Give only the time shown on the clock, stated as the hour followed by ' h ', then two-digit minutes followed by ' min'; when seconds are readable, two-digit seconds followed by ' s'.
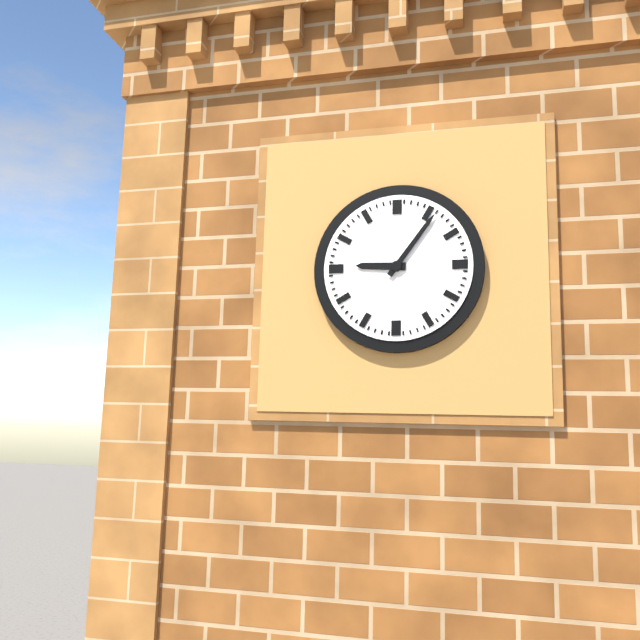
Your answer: 9 h 06 min
